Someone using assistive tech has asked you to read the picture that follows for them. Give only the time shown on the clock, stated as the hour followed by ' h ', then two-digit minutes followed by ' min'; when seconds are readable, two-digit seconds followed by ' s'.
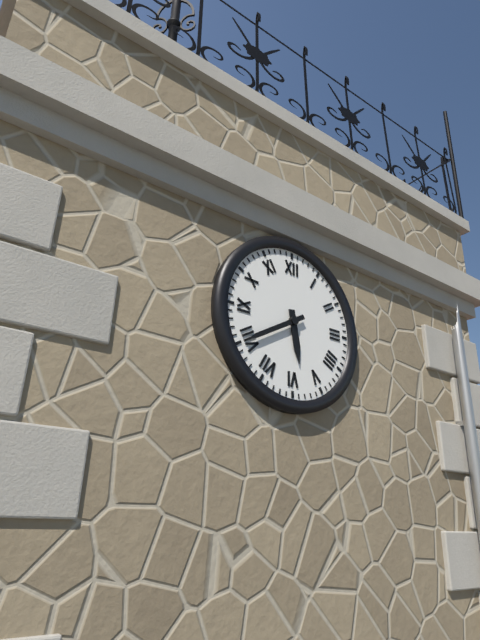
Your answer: 5 h 40 min
